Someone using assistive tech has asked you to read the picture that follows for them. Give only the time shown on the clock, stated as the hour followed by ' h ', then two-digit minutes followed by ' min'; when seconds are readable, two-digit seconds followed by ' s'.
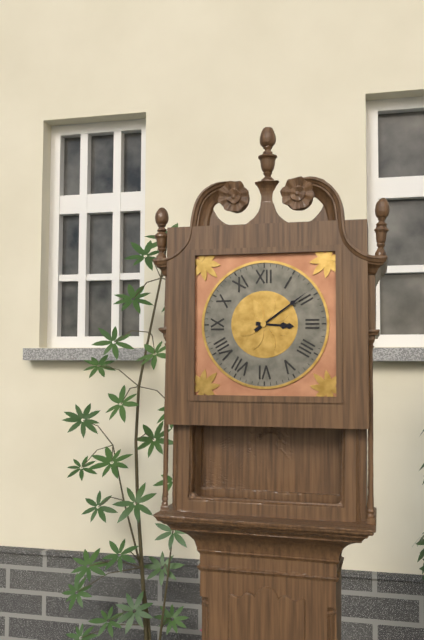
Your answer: 3 h 09 min
